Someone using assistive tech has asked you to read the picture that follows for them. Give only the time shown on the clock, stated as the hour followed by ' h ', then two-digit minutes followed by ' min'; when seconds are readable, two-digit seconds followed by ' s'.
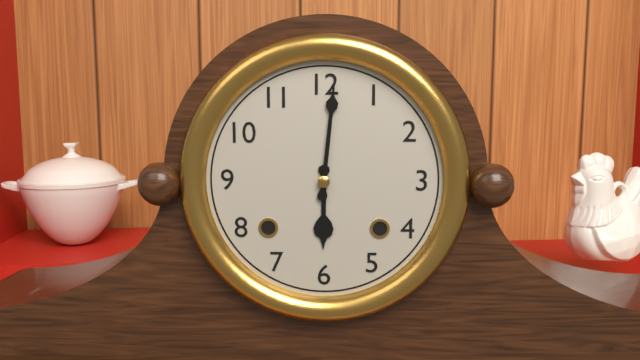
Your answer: 6 h 01 min
